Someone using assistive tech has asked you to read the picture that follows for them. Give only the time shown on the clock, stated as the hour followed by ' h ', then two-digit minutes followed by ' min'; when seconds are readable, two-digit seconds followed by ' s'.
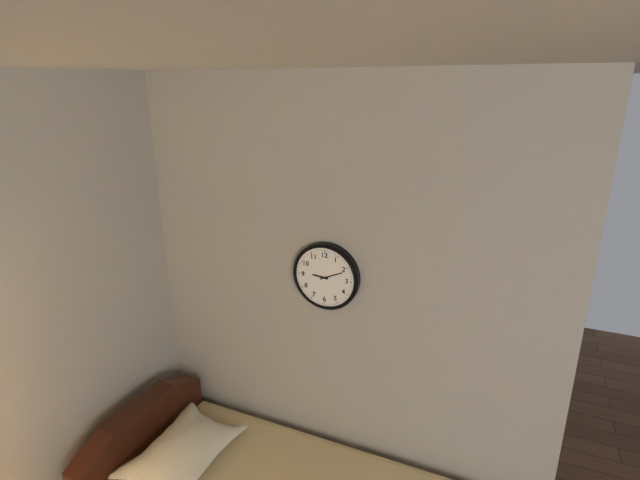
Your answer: 9 h 11 min
